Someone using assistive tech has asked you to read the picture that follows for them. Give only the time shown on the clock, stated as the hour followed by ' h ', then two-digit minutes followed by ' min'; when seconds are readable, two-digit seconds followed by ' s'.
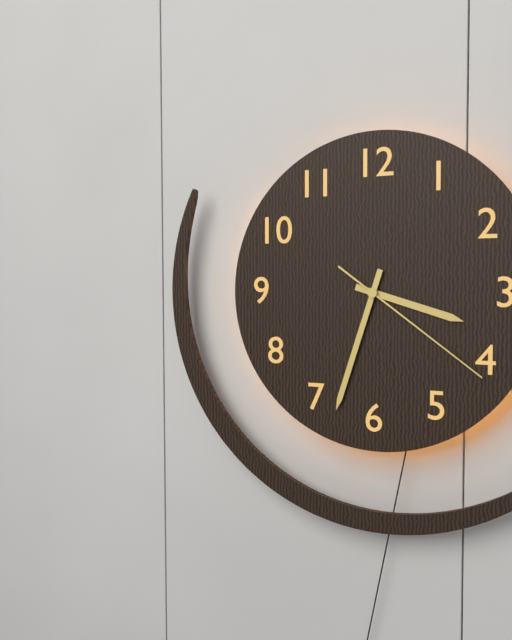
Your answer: 3 h 33 min 21 s
